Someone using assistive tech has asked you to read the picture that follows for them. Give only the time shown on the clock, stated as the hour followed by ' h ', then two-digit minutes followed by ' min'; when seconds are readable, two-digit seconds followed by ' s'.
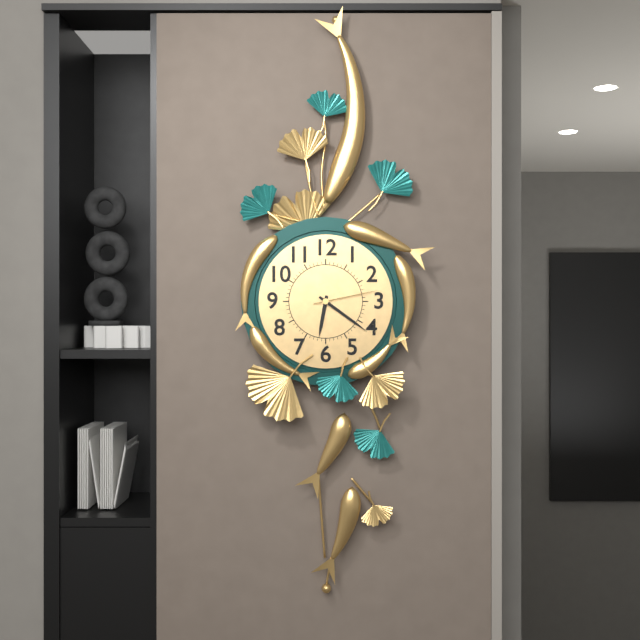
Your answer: 6 h 21 min 13 s
